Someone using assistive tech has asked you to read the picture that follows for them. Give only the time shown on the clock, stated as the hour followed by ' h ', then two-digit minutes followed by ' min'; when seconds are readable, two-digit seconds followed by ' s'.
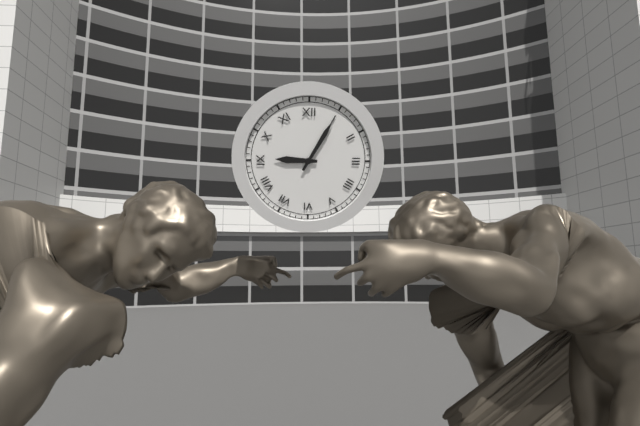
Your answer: 9 h 05 min
